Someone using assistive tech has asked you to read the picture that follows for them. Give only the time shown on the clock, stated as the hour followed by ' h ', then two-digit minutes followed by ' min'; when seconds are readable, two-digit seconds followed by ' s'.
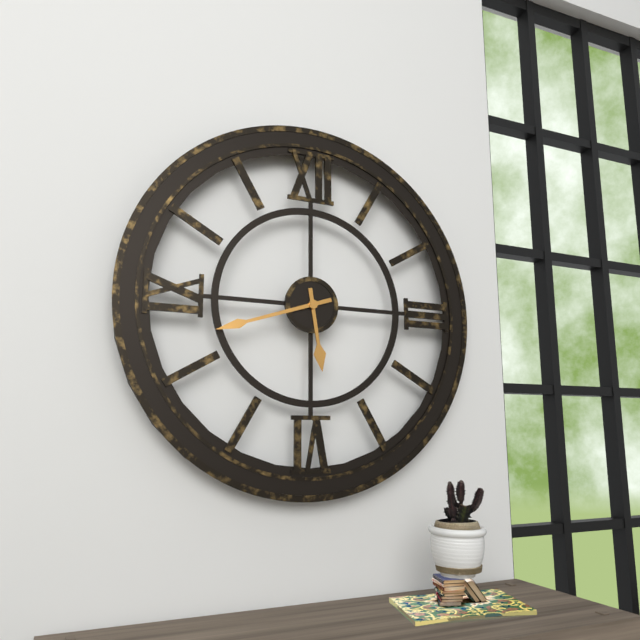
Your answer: 5 h 42 min
